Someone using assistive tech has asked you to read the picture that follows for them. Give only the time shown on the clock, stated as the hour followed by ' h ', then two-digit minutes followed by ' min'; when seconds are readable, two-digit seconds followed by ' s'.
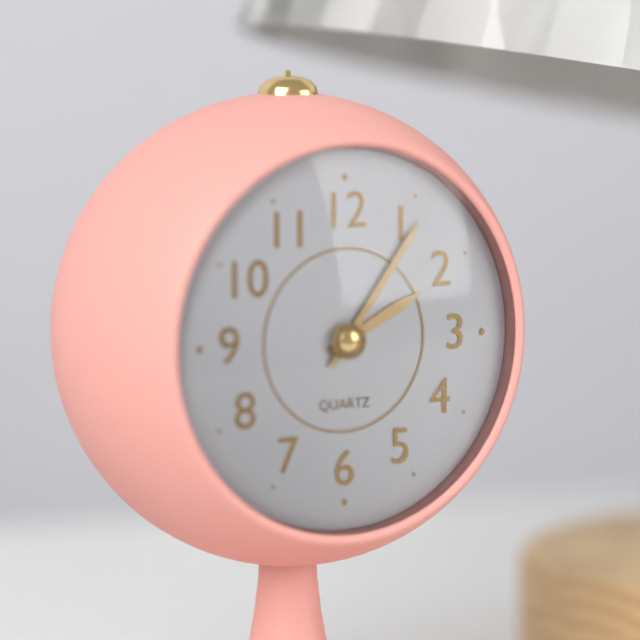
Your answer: 2 h 06 min
